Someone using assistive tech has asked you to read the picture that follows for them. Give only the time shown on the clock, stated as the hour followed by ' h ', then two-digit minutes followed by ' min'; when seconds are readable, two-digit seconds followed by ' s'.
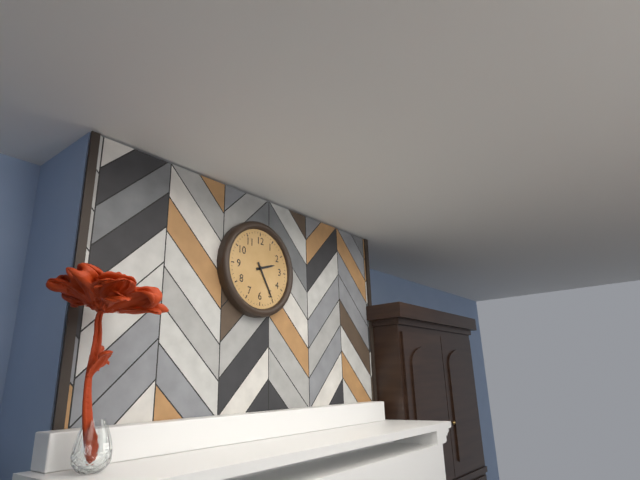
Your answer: 2 h 25 min
